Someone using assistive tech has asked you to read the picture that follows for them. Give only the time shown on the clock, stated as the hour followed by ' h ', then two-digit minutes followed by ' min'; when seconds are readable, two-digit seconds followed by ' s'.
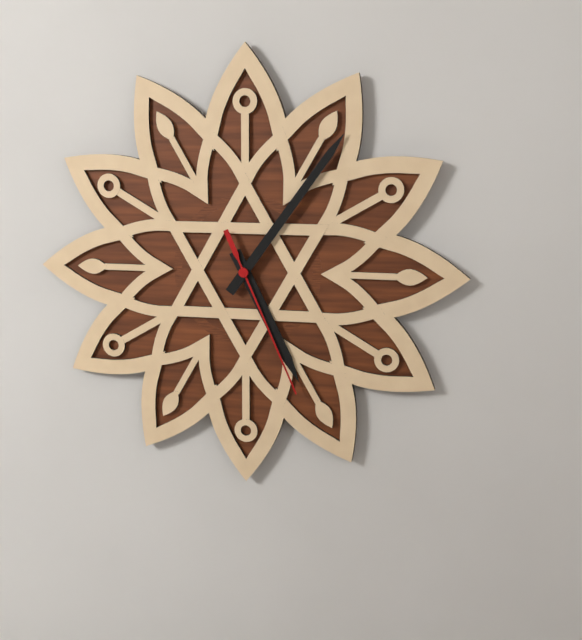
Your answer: 5 h 06 min 26 s
